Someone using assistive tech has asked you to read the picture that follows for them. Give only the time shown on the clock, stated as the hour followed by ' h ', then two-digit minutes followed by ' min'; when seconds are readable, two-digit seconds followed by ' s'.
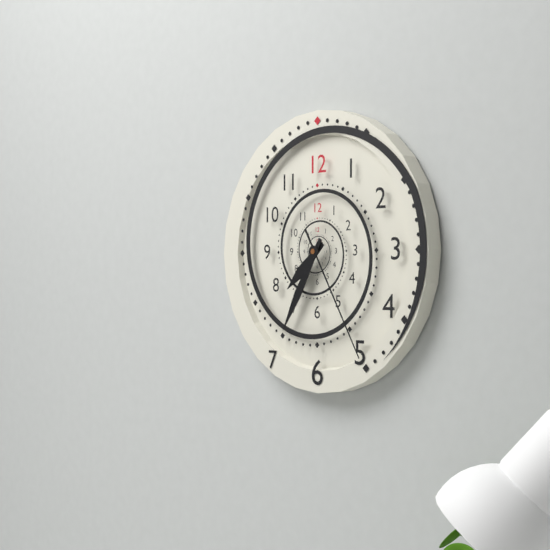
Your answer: 7 h 35 min 25 s
